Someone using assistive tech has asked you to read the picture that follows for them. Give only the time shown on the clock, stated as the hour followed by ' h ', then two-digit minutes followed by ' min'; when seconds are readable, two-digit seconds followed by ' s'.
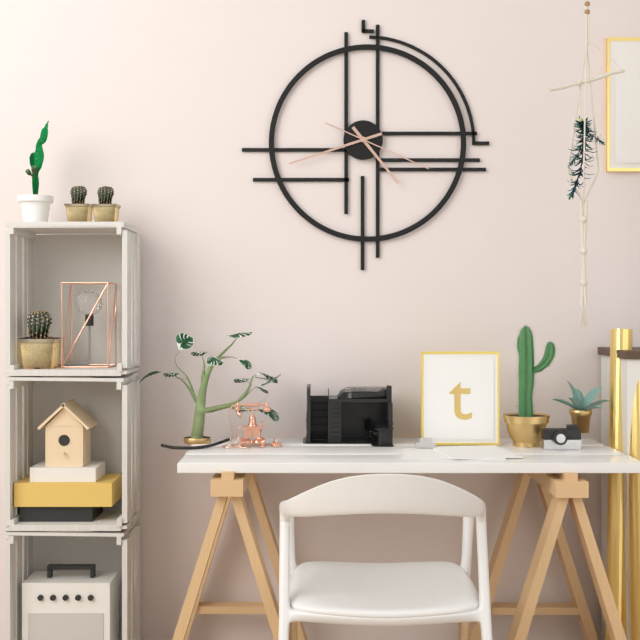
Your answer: 4 h 42 min 19 s
